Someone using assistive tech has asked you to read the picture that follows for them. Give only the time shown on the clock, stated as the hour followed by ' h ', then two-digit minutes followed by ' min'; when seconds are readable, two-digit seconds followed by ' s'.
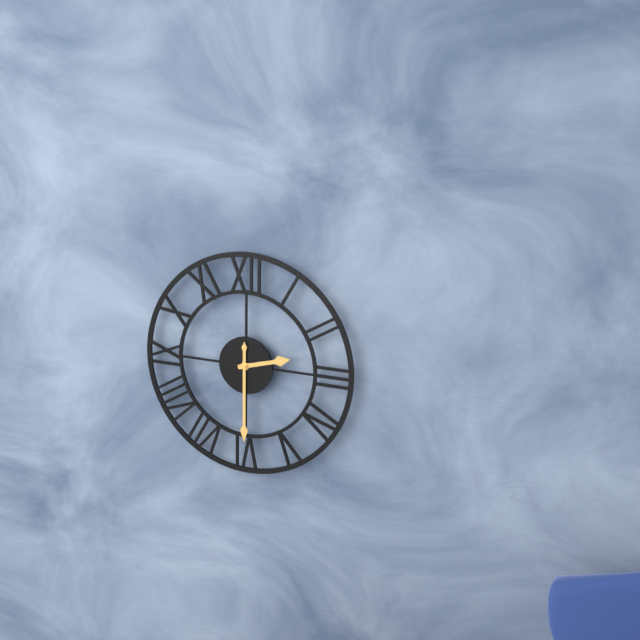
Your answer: 2 h 30 min
